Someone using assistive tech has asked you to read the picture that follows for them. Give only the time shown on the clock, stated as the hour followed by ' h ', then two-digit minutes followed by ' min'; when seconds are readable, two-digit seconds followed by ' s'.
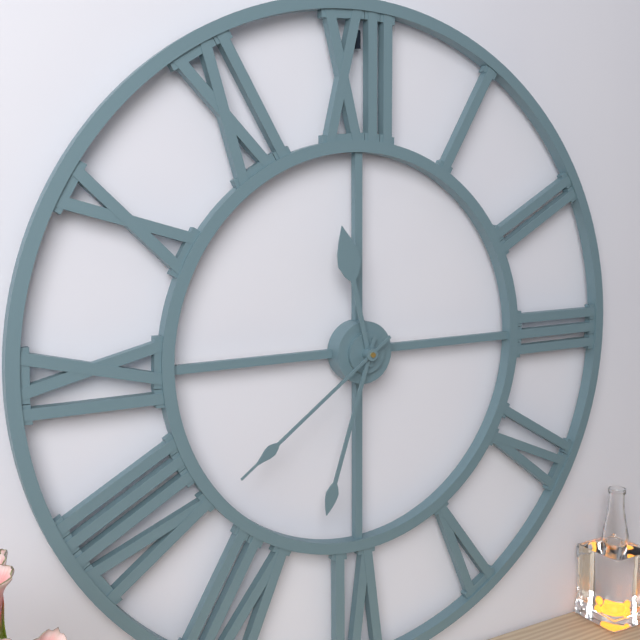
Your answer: 11 h 33 min 39 s
